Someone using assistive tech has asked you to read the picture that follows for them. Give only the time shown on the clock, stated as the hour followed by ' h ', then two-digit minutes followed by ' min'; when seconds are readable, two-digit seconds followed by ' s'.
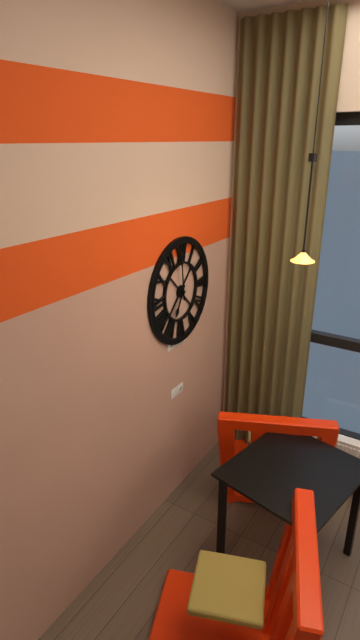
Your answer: 6 h 59 min
